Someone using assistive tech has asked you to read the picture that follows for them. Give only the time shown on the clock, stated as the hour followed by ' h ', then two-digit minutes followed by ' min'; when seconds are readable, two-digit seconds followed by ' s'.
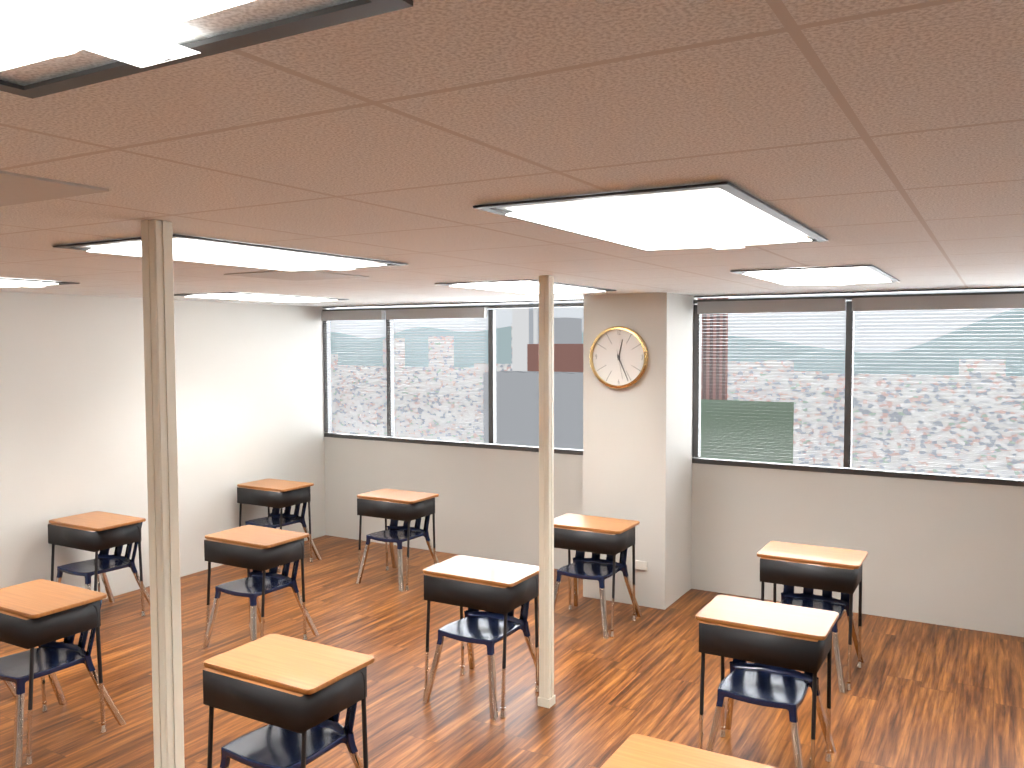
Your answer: 12 h 26 min
